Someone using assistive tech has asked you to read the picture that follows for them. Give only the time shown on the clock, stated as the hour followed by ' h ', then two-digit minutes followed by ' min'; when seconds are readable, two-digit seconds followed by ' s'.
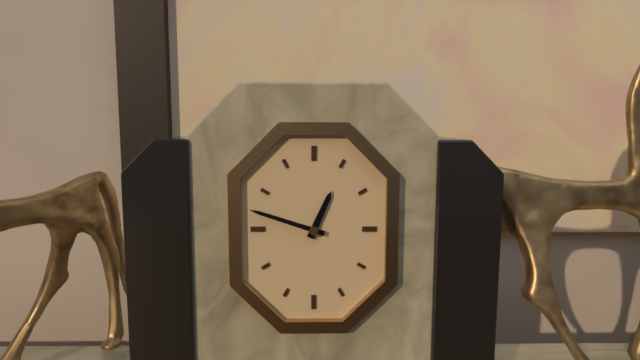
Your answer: 12 h 48 min
